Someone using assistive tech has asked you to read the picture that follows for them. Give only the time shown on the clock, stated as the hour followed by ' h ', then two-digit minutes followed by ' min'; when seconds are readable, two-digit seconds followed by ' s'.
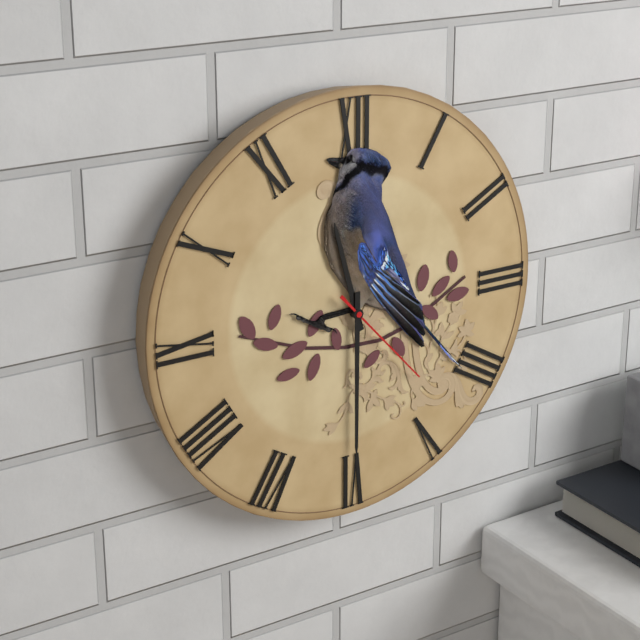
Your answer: 11 h 30 min 23 s
